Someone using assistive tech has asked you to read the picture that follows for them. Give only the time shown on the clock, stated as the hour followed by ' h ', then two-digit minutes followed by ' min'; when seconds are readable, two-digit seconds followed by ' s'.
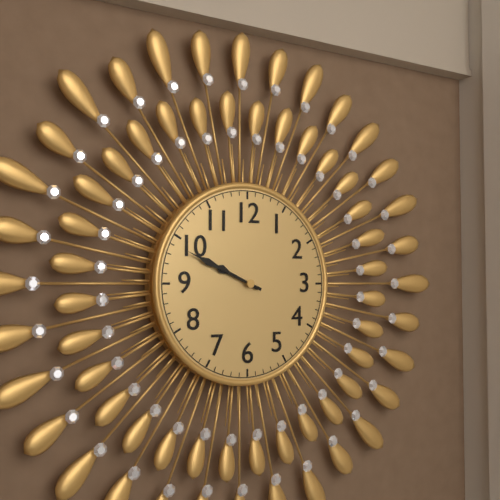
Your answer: 9 h 49 min
